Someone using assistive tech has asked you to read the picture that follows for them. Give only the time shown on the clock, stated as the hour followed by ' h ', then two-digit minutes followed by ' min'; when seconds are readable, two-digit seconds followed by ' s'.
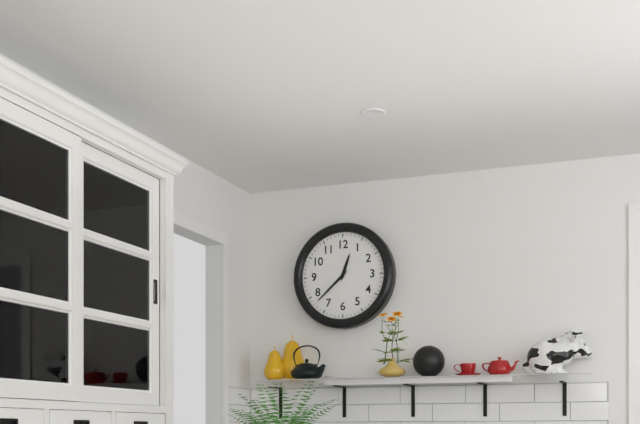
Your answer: 12 h 38 min
